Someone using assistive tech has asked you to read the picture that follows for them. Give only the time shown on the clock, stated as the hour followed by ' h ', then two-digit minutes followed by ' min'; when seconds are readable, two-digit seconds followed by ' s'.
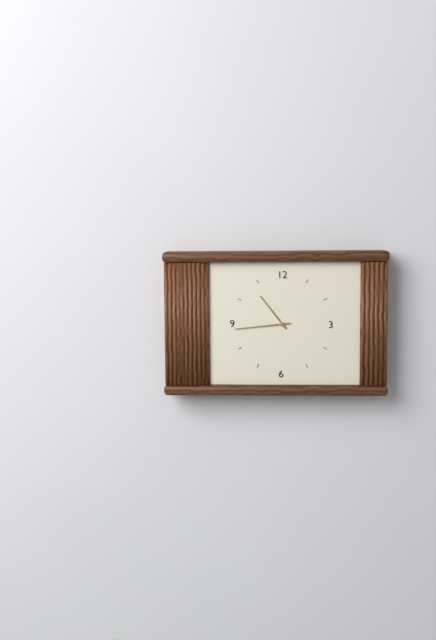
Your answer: 10 h 44 min
